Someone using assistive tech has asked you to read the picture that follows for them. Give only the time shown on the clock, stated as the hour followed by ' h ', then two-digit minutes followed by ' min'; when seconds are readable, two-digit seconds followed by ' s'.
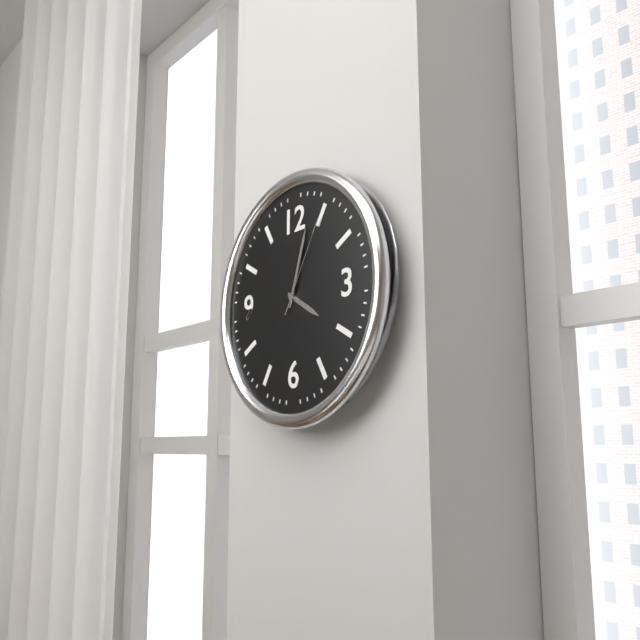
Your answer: 4 h 03 min 05 s
